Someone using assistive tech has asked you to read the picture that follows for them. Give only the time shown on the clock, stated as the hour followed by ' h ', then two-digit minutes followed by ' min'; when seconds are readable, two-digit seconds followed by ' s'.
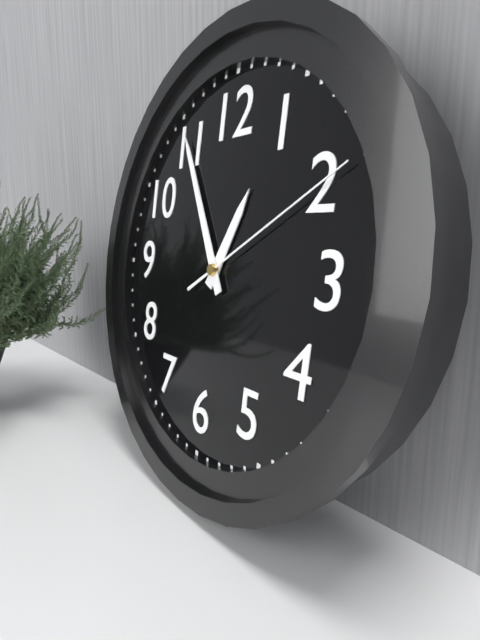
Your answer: 12 h 55 min 10 s
